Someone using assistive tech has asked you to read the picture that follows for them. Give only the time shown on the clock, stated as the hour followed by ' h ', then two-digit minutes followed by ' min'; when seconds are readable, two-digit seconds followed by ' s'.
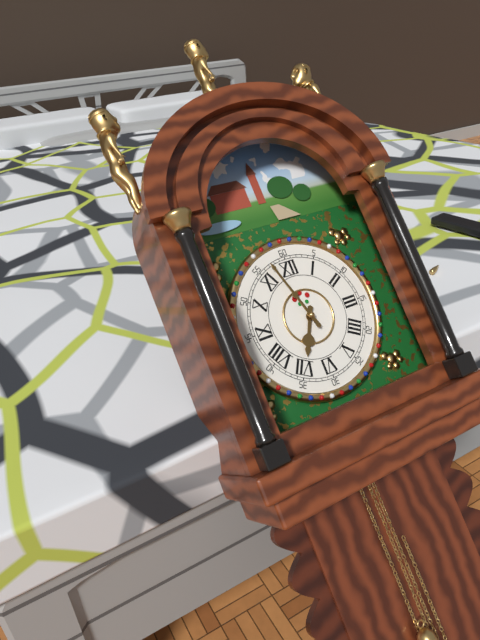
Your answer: 6 h 57 min
